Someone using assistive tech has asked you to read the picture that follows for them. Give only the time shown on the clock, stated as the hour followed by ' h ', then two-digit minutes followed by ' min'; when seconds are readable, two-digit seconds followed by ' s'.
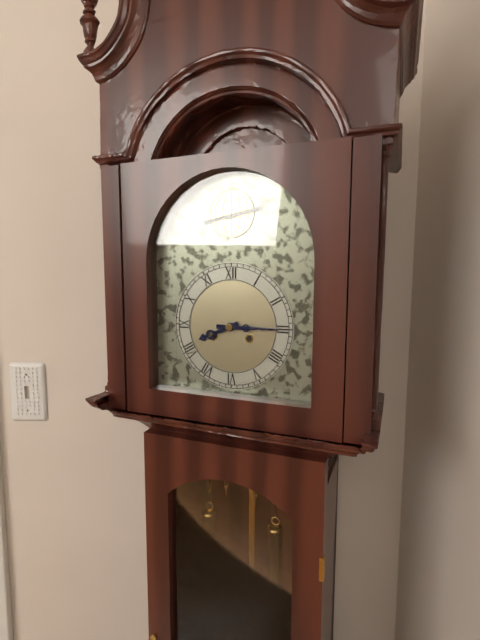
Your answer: 8 h 15 min
